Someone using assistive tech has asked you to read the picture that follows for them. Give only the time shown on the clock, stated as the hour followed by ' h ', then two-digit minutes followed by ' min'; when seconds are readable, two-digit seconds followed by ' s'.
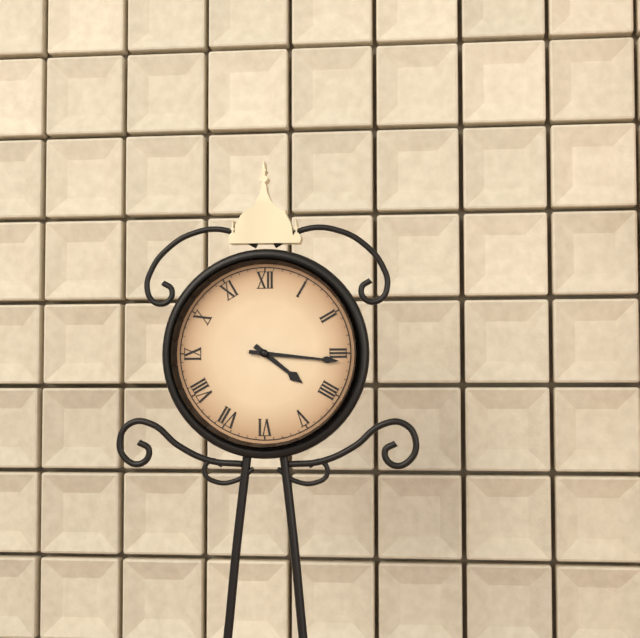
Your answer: 4 h 16 min
